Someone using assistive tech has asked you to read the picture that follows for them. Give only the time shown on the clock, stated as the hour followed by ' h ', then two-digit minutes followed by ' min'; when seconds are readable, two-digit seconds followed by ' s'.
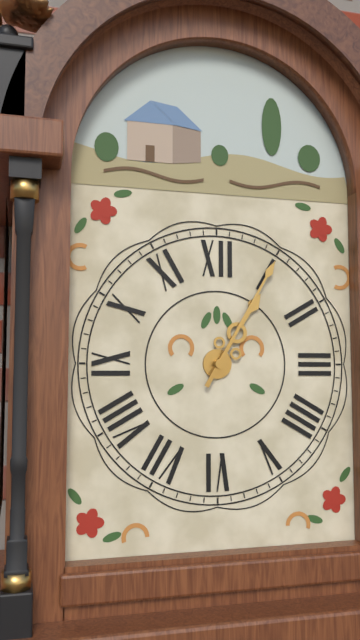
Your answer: 1 h 05 min
